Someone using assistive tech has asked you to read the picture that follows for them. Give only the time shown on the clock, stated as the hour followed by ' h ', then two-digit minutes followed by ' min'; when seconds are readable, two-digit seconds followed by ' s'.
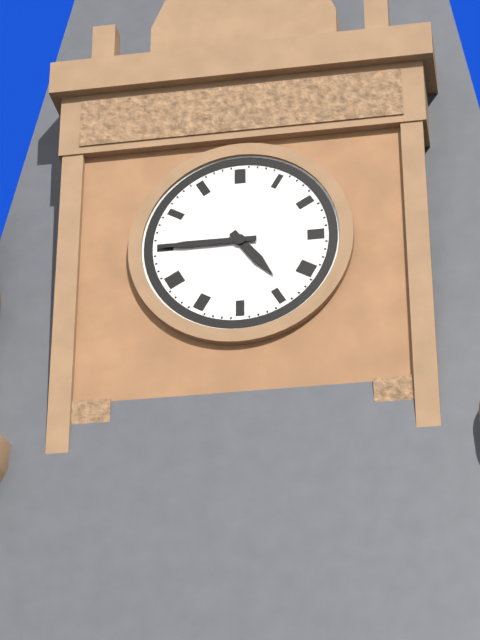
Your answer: 4 h 45 min
